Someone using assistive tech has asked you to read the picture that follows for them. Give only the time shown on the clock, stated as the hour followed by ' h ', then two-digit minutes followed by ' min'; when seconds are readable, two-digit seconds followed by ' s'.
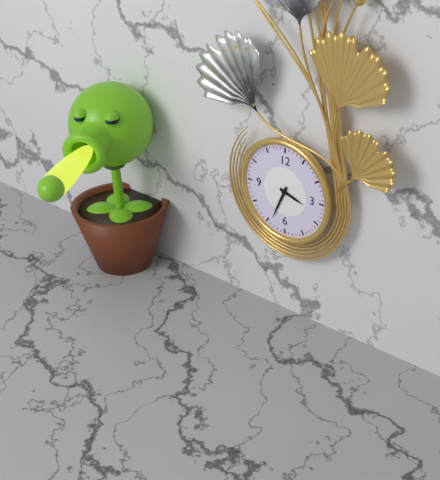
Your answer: 3 h 34 min
